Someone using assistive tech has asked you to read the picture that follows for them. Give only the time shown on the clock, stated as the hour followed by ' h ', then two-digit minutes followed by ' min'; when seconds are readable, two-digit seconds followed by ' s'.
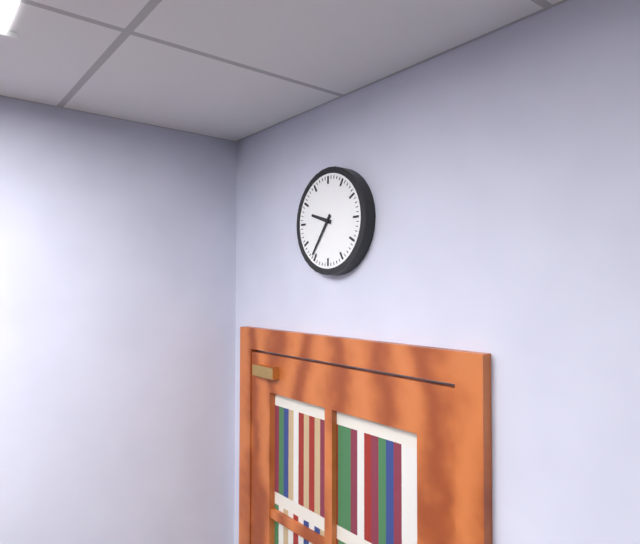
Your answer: 9 h 36 min
